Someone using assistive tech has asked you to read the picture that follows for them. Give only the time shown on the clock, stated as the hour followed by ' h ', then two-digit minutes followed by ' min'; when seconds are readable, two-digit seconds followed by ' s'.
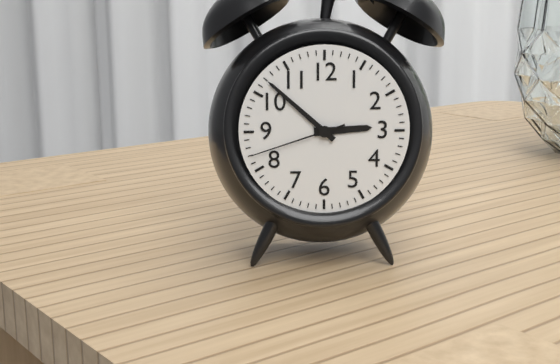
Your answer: 2 h 52 min 42 s
